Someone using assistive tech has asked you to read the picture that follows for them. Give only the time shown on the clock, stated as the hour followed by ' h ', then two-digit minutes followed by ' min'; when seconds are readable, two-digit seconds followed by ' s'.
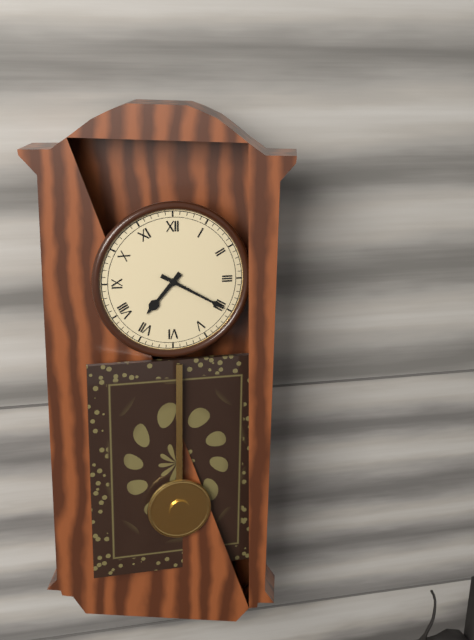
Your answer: 7 h 20 min
